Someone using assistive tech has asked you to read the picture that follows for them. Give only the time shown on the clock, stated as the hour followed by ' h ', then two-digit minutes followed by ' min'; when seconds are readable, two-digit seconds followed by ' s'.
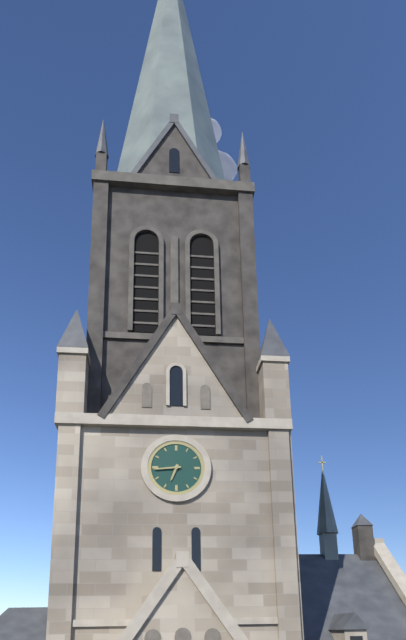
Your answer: 6 h 44 min
